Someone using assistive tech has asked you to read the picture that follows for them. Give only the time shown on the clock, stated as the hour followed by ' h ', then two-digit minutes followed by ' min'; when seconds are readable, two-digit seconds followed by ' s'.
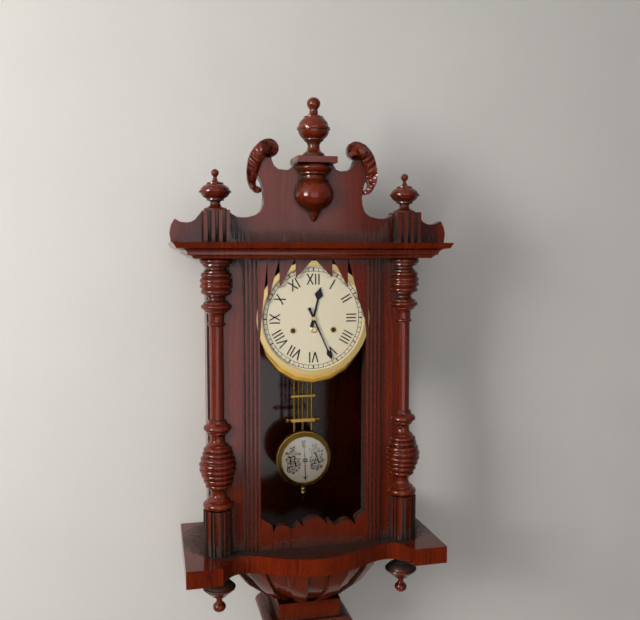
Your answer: 12 h 26 min
